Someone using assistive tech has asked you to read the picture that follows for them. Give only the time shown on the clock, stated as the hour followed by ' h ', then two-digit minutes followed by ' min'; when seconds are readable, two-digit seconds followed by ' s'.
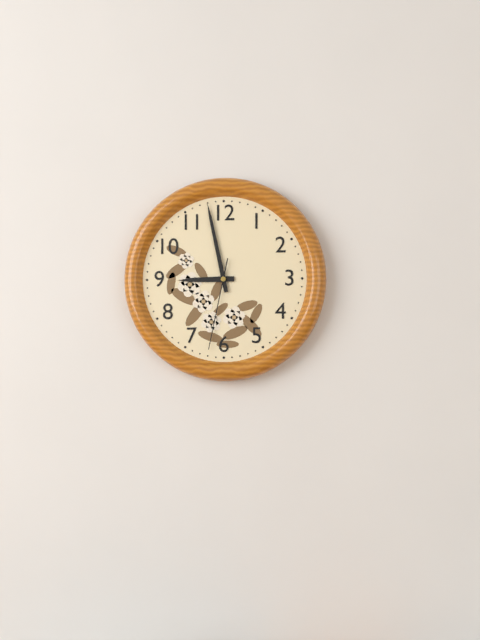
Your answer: 8 h 58 min 32 s
